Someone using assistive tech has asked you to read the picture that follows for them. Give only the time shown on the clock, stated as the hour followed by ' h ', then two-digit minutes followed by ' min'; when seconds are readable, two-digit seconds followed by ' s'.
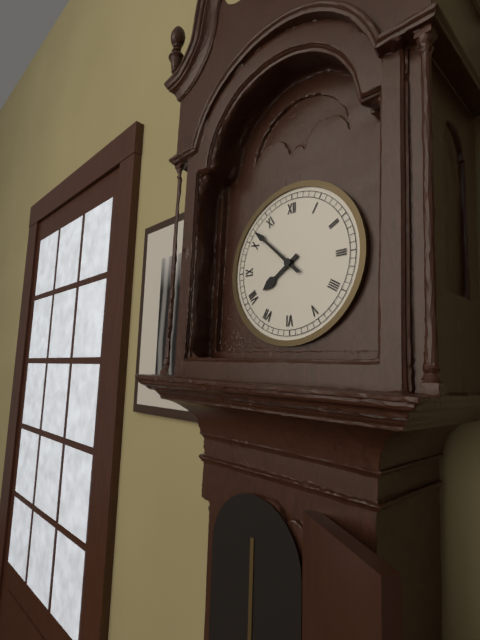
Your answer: 7 h 52 min
